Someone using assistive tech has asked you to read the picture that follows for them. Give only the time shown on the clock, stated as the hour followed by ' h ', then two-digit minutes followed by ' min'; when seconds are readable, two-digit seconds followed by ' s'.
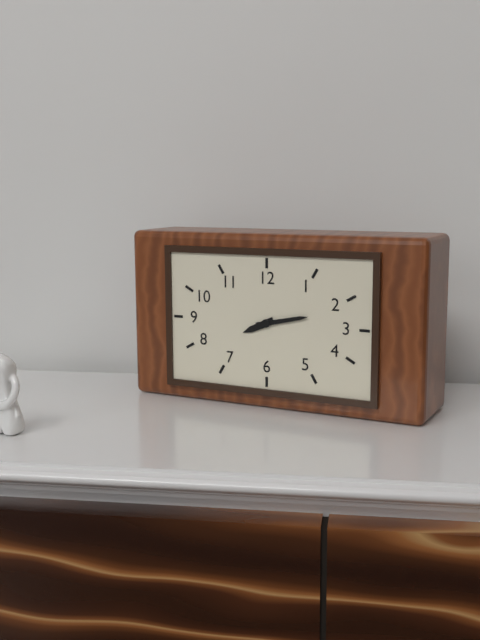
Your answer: 8 h 13 min
